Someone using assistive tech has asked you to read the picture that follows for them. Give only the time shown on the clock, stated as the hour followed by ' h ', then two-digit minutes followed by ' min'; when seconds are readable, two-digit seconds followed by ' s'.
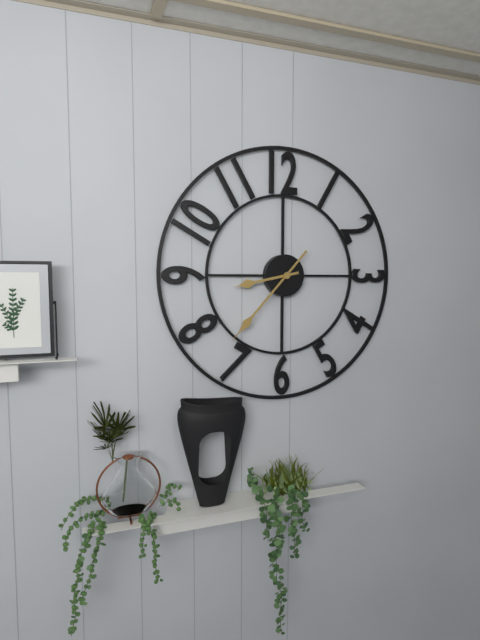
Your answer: 8 h 37 min
